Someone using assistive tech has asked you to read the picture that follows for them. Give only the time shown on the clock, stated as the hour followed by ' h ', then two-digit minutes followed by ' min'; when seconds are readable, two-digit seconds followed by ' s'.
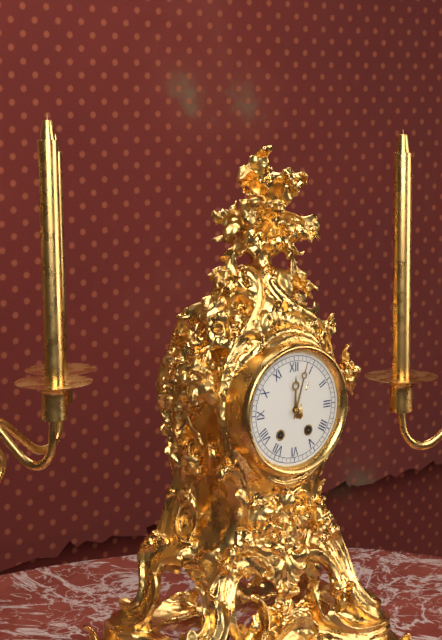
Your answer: 12 h 03 min
